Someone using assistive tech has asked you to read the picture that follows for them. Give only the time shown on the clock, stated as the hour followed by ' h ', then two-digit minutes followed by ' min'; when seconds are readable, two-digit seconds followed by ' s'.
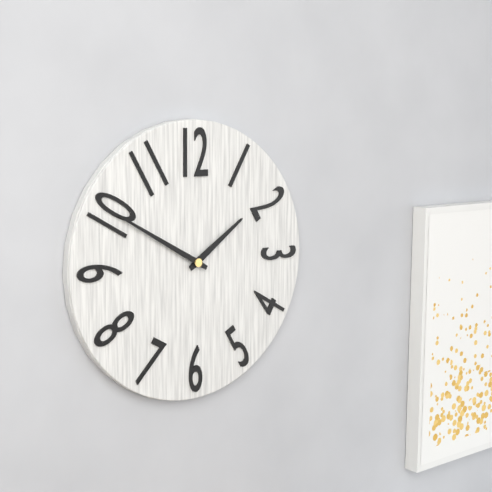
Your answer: 1 h 50 min
